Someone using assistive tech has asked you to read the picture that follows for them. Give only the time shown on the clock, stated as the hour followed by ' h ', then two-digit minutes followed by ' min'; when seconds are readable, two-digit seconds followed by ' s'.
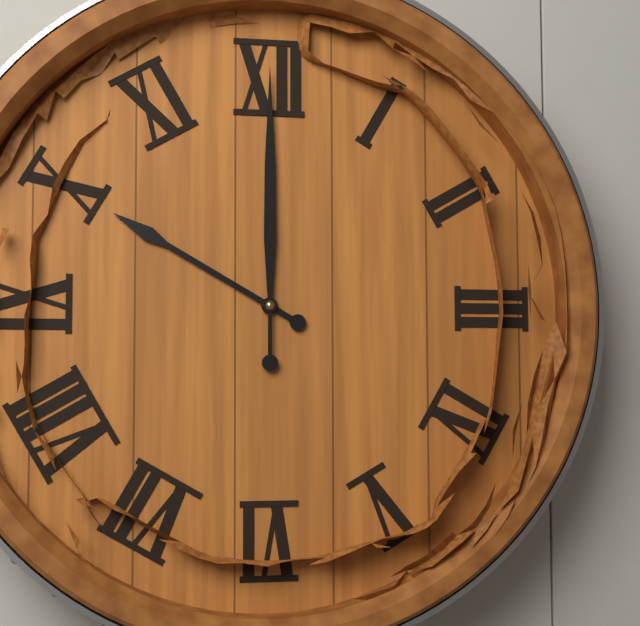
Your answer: 10 h 00 min
